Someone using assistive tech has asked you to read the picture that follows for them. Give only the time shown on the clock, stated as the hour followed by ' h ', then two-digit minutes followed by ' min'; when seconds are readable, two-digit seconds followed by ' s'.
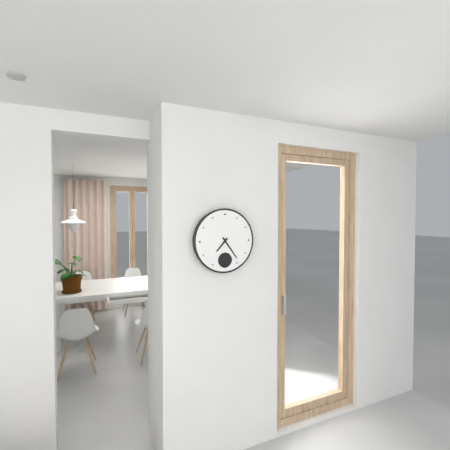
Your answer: 7 h 24 min
